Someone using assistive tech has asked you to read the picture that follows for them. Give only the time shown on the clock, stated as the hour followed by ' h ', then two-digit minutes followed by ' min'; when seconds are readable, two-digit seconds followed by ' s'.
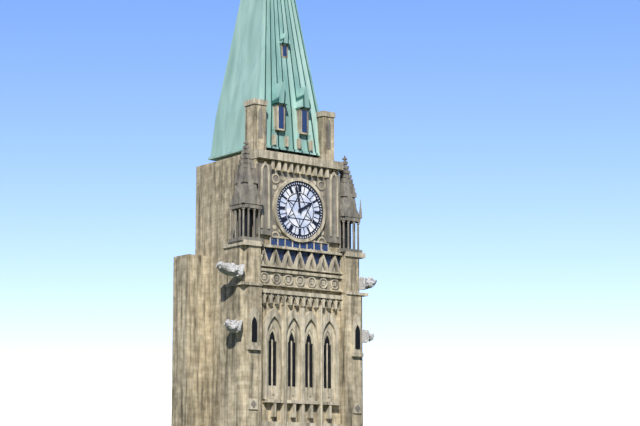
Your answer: 1 h 58 min
